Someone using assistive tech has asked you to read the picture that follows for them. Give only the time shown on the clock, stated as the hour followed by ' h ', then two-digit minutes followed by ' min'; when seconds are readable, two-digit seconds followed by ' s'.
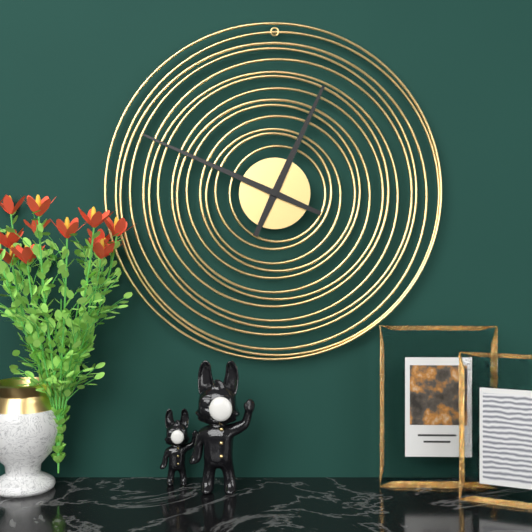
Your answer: 12 h 49 min
